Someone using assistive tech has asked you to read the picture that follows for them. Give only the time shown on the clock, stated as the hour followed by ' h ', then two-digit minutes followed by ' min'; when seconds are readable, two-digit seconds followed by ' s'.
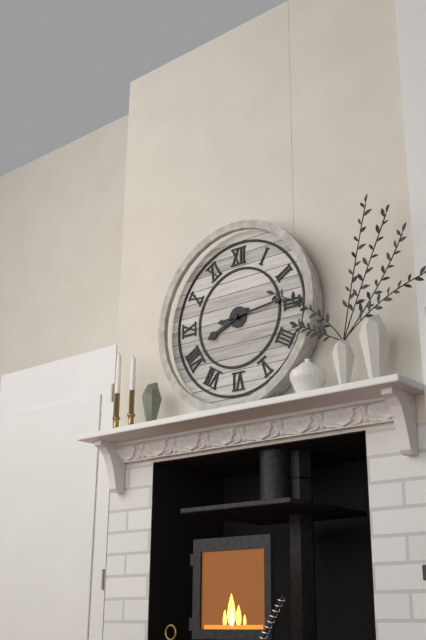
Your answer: 8 h 14 min
